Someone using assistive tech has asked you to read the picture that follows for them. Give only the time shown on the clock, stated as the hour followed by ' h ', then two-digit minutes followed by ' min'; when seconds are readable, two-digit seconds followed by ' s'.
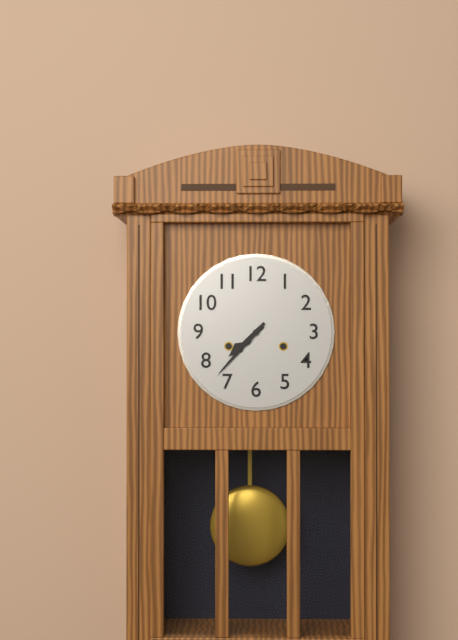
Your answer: 7 h 37 min
